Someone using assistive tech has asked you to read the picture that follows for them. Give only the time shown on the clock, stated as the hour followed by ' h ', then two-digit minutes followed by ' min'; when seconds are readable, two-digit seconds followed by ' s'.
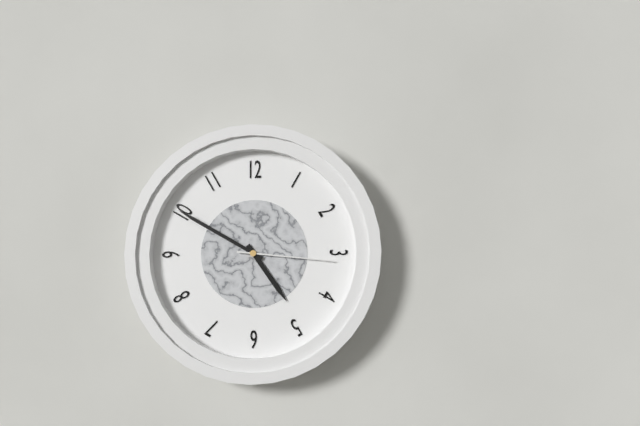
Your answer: 4 h 50 min 16 s
